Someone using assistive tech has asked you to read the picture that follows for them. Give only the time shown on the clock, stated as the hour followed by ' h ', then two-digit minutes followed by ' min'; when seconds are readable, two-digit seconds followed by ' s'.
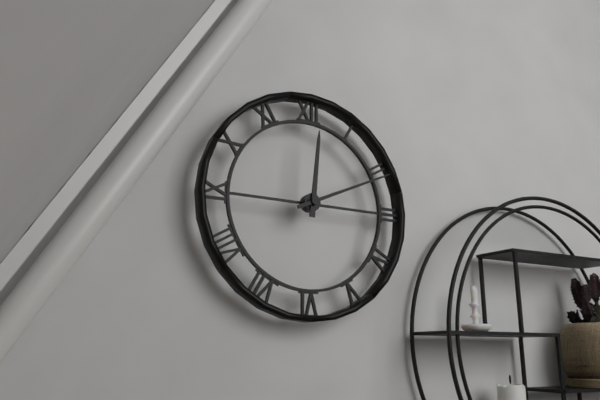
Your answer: 12 h 11 min
